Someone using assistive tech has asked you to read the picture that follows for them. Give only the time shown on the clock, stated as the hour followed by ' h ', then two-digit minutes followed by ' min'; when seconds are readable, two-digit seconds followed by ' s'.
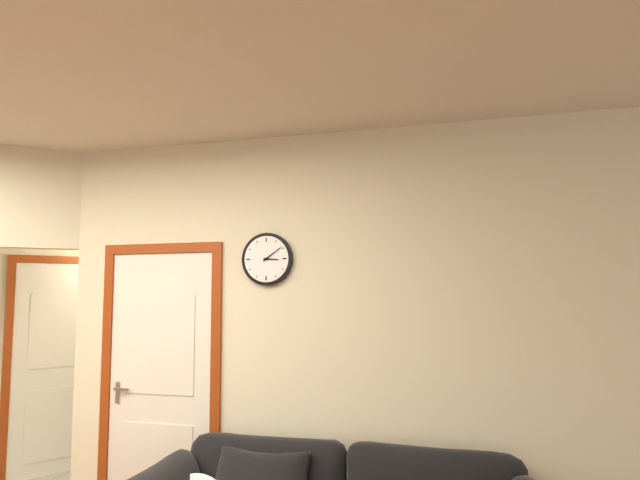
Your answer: 3 h 09 min
